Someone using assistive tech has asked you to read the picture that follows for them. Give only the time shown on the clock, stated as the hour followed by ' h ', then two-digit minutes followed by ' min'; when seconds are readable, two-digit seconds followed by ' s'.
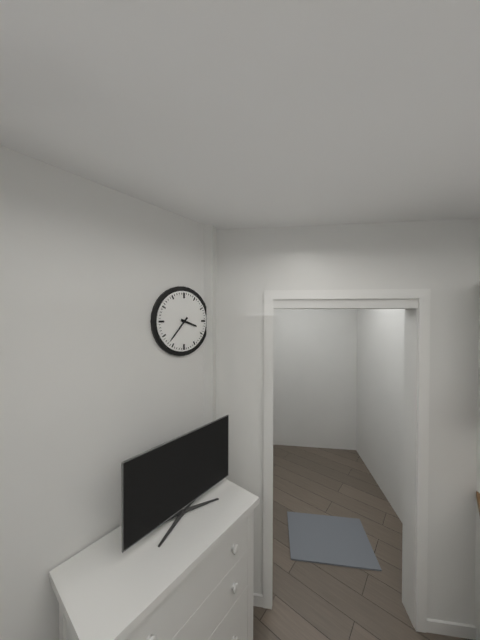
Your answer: 3 h 37 min
